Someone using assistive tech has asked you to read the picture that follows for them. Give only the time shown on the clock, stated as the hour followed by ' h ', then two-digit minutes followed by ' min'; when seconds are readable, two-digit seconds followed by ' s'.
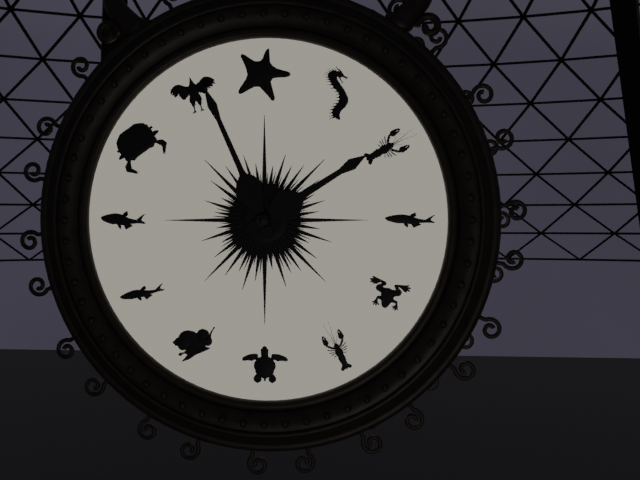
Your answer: 1 h 56 min
